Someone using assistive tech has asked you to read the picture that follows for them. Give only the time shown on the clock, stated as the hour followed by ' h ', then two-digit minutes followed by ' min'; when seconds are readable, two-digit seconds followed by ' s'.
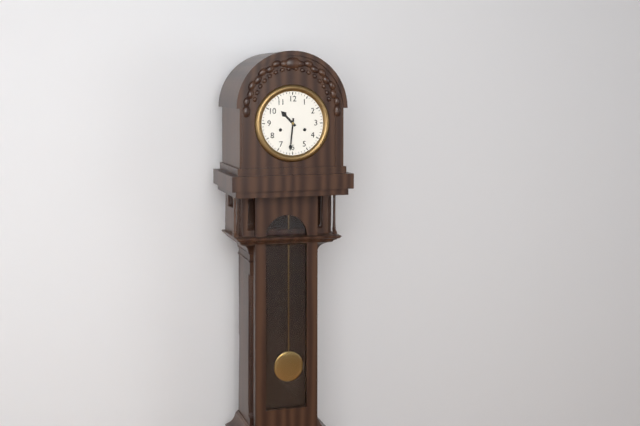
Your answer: 10 h 31 min
